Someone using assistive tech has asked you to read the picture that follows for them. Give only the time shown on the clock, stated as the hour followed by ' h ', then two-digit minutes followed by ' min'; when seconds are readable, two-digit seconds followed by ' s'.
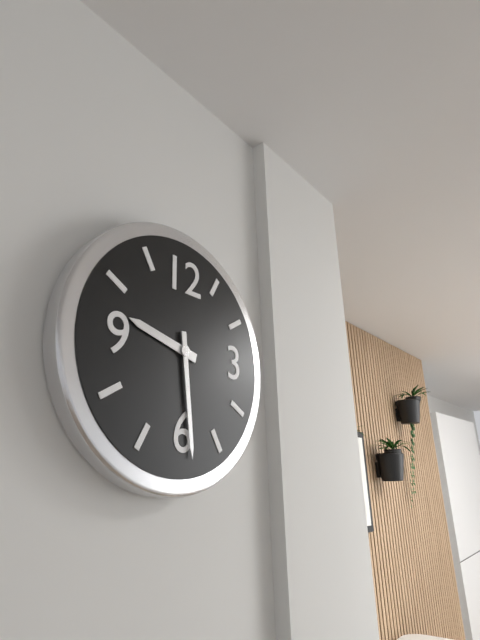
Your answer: 9 h 29 min
